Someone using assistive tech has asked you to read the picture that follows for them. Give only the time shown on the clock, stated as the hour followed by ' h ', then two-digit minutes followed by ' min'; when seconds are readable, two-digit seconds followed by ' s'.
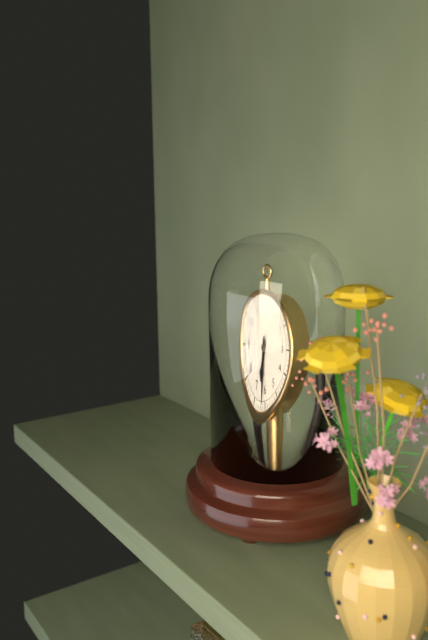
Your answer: 6 h 31 min
